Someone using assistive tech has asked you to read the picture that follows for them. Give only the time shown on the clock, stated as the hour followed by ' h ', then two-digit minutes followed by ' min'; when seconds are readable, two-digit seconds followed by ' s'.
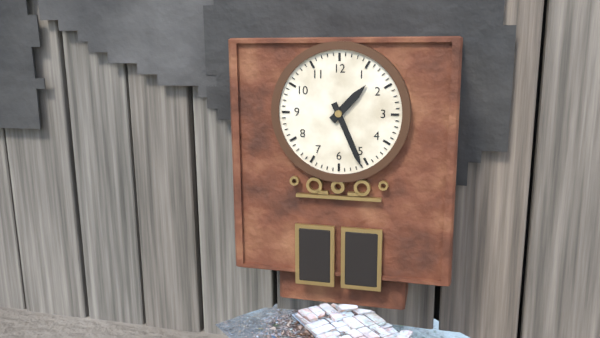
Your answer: 1 h 26 min
